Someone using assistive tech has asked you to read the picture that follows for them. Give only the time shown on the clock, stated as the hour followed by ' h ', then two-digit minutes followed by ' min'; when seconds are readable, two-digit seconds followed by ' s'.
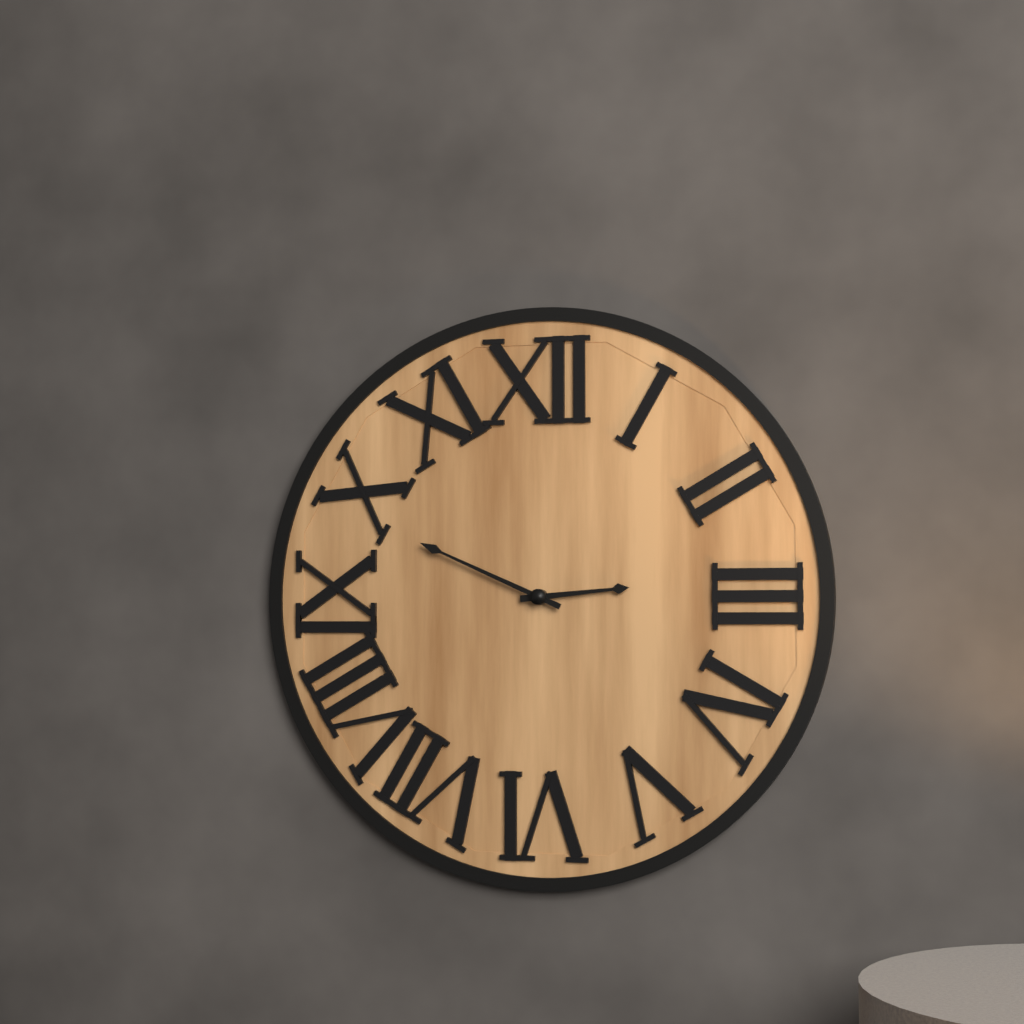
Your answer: 2 h 49 min
